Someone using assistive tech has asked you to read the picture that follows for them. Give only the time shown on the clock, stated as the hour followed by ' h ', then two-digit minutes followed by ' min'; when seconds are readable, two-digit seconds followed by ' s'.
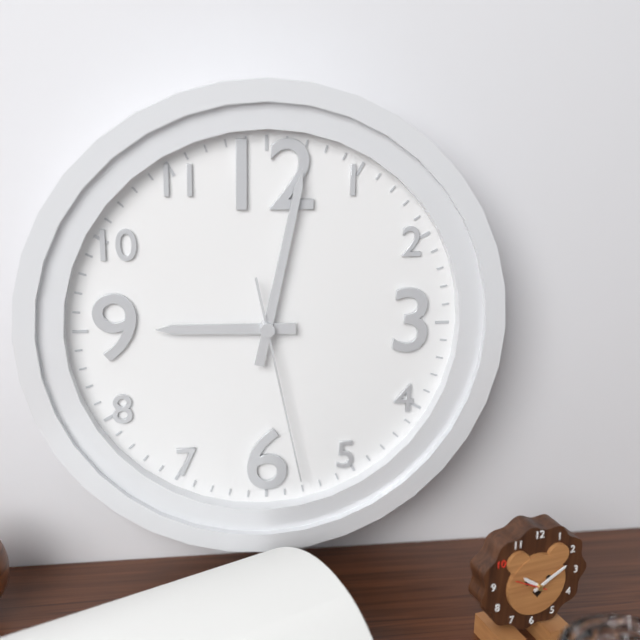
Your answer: 9 h 02 min 28 s
